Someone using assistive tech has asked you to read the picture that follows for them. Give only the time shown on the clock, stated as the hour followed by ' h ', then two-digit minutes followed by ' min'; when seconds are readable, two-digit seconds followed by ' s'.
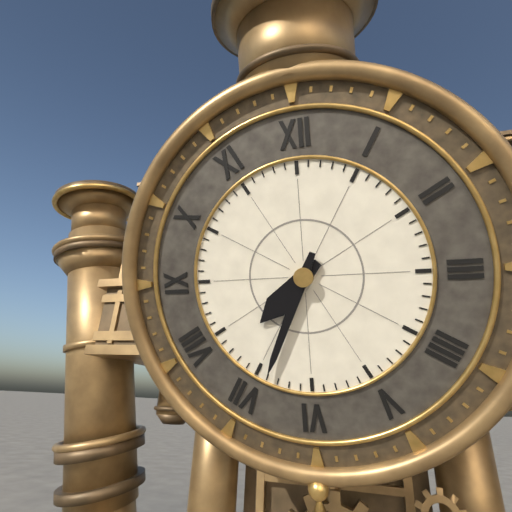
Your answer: 7 h 34 min
